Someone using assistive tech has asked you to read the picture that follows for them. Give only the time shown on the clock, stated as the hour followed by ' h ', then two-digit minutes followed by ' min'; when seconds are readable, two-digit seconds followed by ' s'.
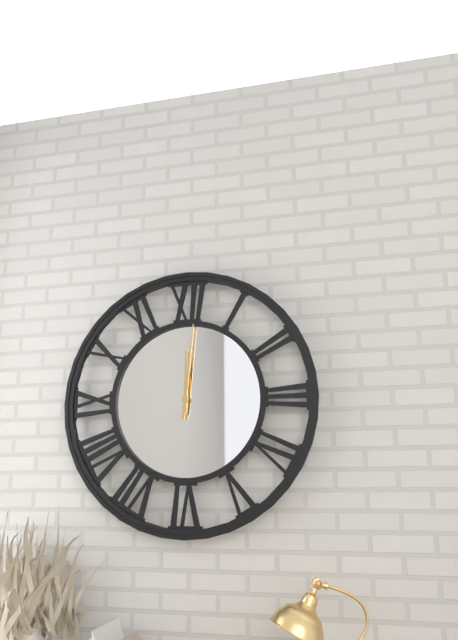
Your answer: 12 h 01 min
